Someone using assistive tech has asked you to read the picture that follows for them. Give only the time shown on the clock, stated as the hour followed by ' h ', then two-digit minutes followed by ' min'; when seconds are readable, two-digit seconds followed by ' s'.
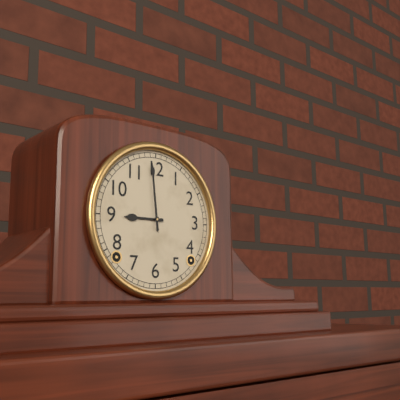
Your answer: 8 h 59 min
